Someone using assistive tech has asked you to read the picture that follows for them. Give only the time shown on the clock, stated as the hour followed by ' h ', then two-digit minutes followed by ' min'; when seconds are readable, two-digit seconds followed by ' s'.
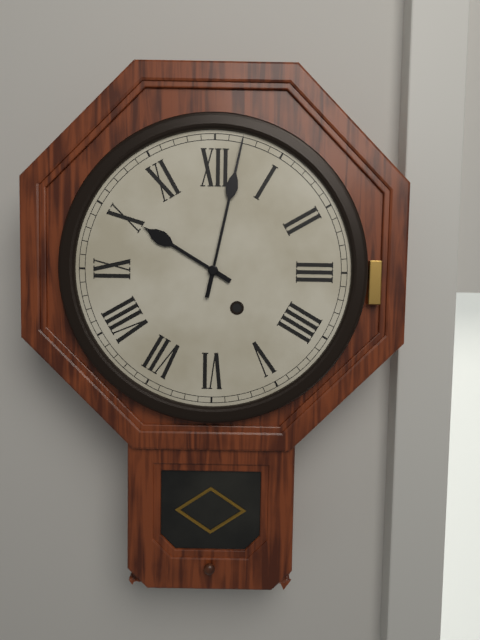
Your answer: 10 h 02 min
